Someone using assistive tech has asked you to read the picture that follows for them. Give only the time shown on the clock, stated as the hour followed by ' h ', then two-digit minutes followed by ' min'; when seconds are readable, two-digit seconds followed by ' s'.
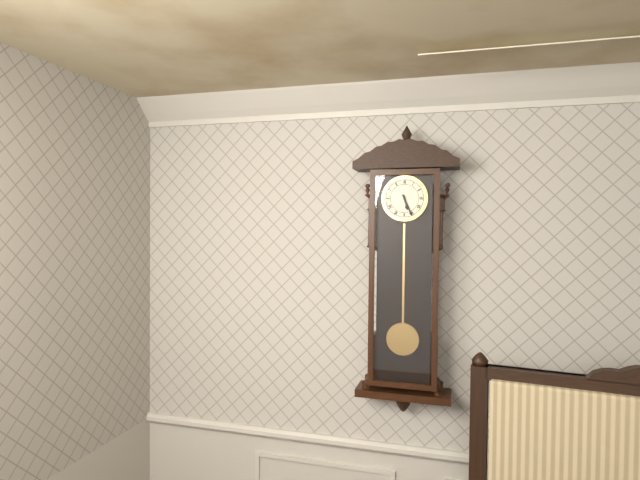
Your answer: 5 h 26 min
